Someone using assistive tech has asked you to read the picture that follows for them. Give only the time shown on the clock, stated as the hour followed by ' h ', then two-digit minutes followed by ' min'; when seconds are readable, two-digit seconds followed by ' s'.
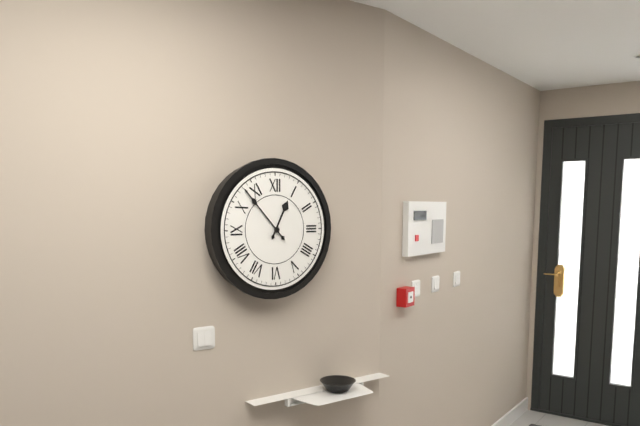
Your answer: 12 h 53 min
